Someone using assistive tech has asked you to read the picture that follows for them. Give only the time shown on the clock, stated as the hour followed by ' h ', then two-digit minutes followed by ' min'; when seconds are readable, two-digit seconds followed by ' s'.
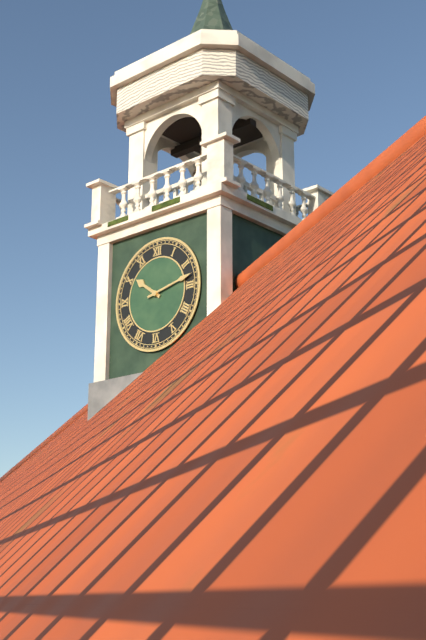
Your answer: 10 h 13 min
